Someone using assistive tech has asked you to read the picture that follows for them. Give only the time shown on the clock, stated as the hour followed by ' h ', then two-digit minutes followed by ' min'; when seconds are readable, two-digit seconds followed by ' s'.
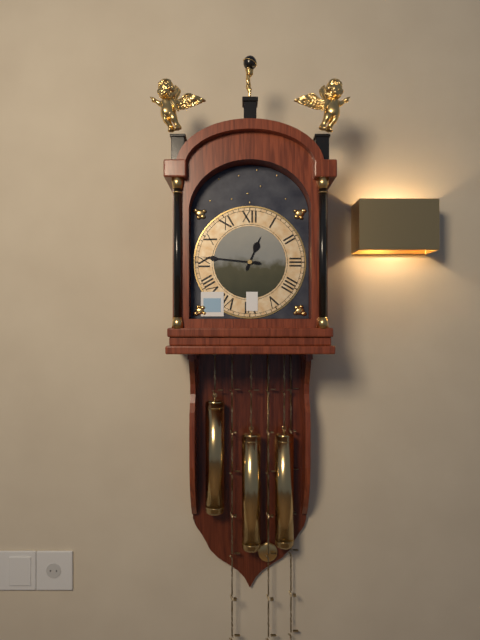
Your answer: 12 h 46 min
